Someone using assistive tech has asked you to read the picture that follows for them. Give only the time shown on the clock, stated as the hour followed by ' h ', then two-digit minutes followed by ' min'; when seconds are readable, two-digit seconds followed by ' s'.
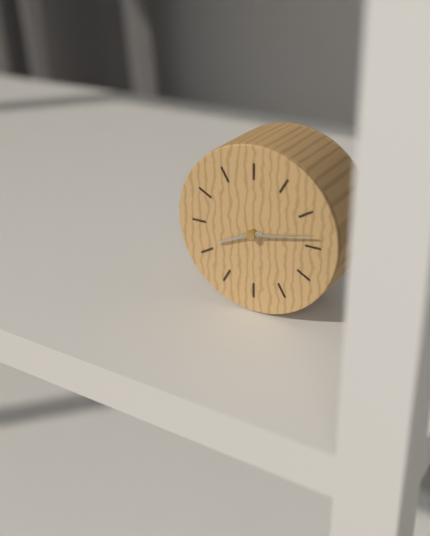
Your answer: 8 h 13 min
